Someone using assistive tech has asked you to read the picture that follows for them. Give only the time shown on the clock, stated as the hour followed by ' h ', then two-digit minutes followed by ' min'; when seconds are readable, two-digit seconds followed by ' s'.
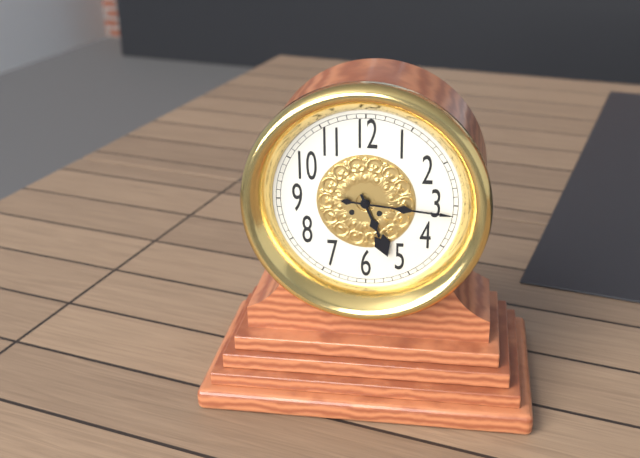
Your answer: 5 h 16 min
